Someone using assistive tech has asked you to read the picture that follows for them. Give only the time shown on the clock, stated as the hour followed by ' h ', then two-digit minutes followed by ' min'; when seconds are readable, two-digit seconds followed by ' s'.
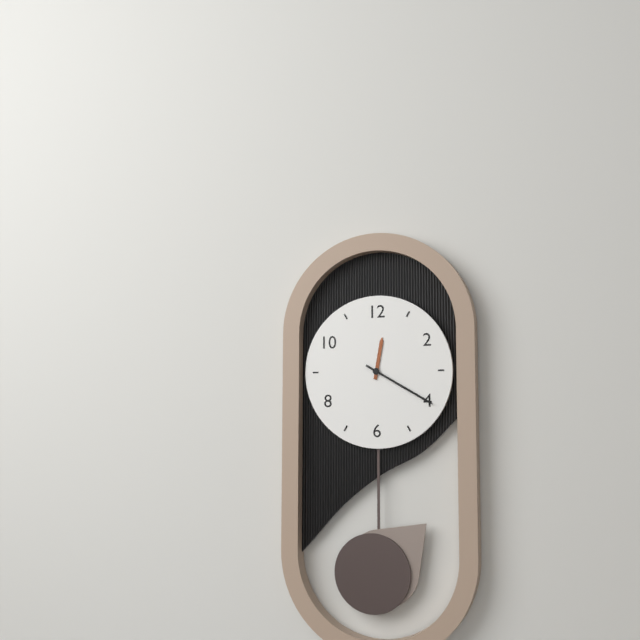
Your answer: 12 h 20 min
